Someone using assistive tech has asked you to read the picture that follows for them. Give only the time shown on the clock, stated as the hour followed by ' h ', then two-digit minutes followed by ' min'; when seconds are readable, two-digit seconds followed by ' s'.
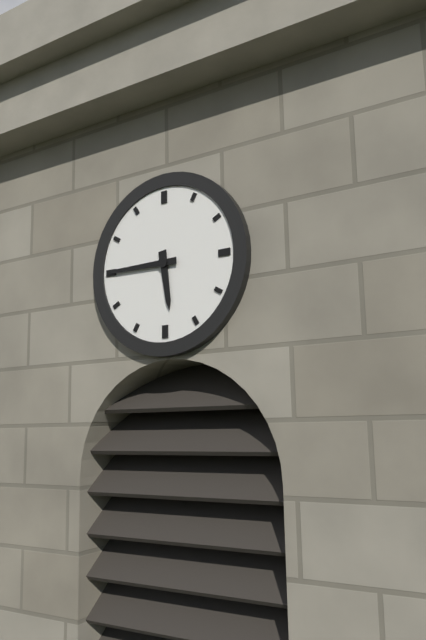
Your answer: 5 h 45 min
